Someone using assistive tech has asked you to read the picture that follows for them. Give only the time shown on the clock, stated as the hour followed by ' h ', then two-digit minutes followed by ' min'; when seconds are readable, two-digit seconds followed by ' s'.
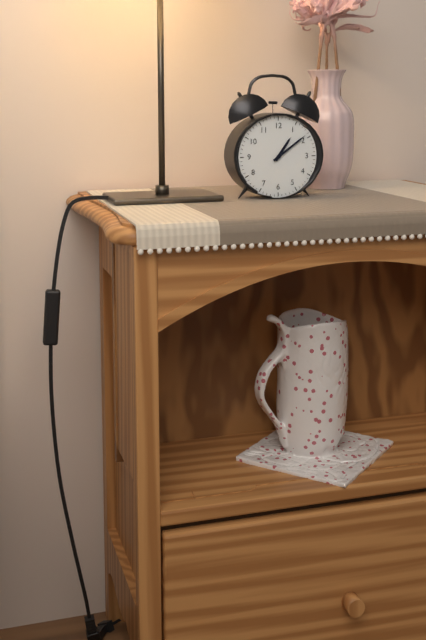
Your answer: 1 h 09 min
